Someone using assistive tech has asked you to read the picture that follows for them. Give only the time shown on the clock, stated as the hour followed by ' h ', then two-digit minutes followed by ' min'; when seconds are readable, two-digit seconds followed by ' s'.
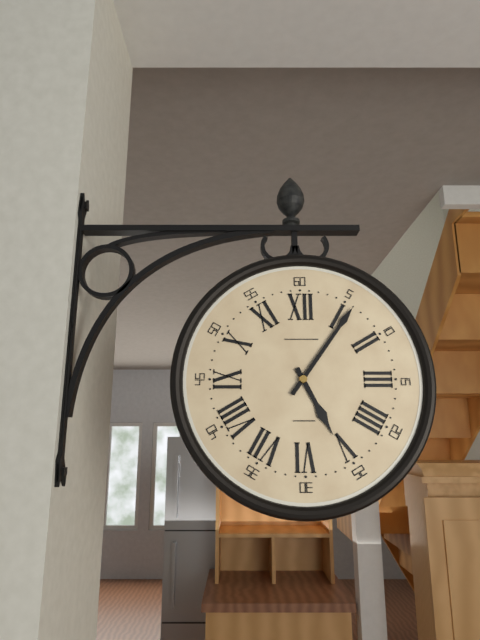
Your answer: 5 h 06 min
